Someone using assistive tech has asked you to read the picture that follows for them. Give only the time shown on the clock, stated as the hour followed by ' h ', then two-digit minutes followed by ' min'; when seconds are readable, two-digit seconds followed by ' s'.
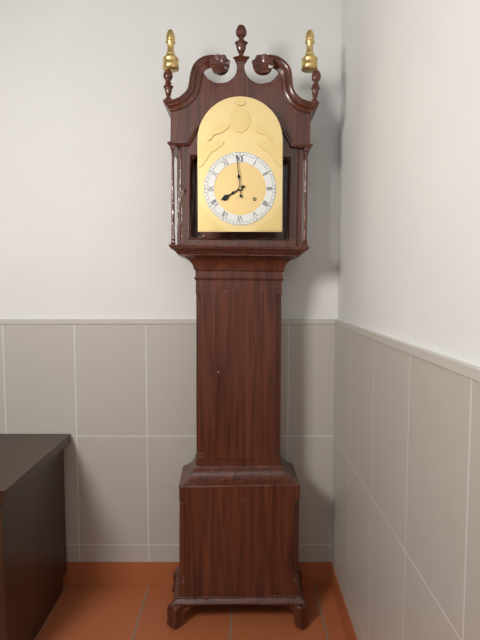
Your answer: 7 h 59 min
